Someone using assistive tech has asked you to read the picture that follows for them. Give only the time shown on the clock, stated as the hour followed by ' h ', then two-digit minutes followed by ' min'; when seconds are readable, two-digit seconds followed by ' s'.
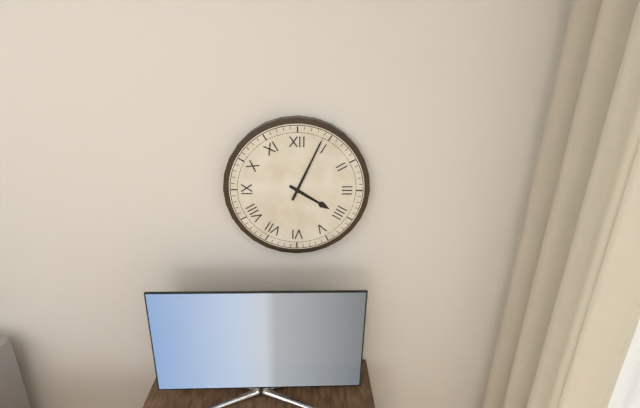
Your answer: 4 h 04 min
